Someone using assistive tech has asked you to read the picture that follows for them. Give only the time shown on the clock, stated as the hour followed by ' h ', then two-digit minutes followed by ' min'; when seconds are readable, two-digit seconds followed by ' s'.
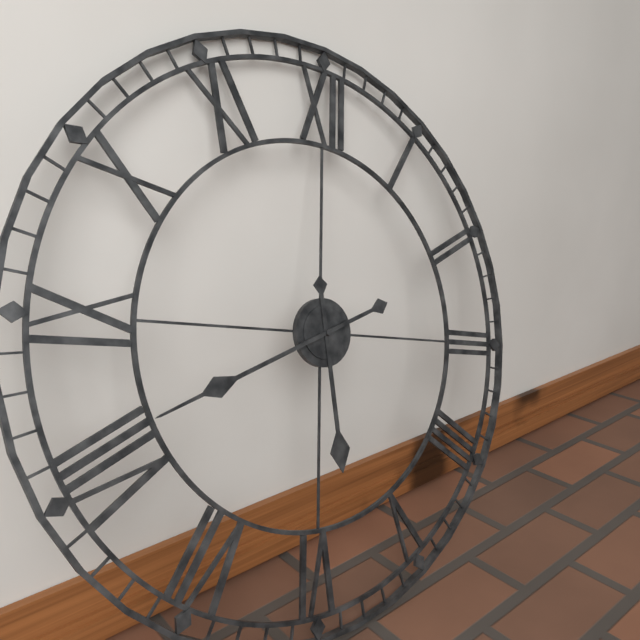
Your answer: 5 h 41 min
